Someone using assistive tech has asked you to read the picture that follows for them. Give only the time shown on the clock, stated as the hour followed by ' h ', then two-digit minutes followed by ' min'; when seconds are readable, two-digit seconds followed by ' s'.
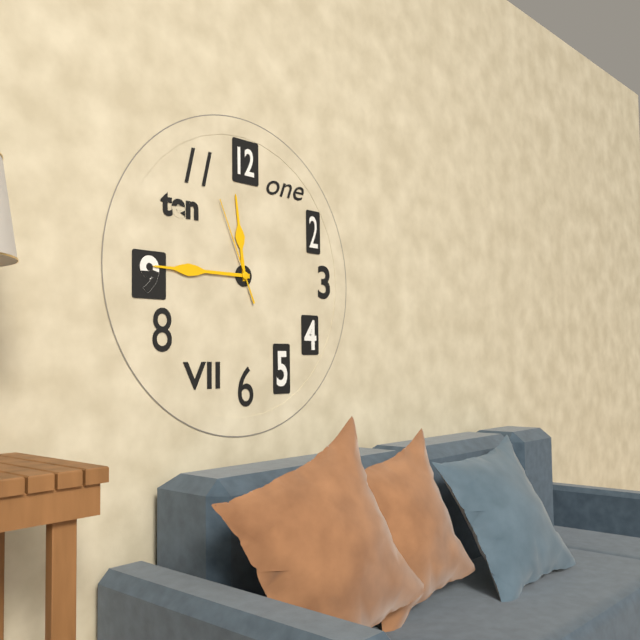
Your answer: 11 h 45 min 56 s
